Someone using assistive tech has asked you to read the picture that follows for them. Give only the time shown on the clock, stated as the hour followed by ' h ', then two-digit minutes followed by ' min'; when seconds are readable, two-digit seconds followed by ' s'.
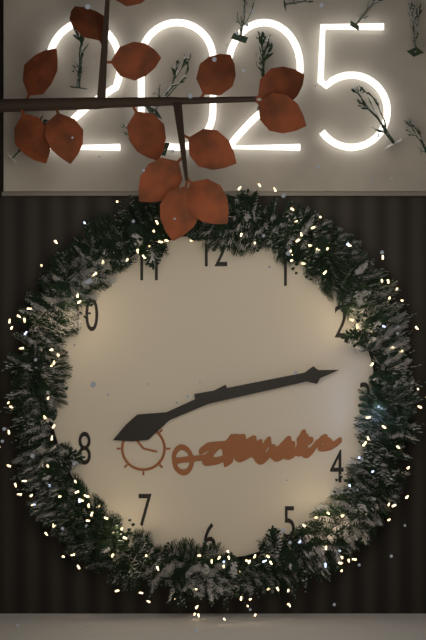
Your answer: 8 h 13 min
